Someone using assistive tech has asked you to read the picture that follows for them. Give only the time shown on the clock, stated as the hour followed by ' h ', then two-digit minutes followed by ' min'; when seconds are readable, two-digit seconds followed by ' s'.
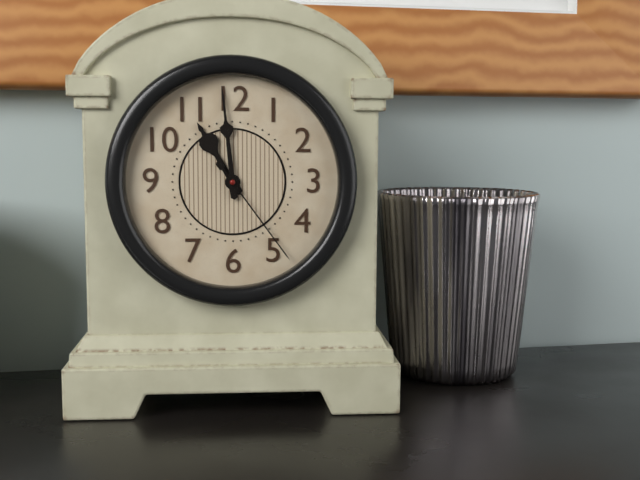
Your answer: 10 h 59 min 24 s
